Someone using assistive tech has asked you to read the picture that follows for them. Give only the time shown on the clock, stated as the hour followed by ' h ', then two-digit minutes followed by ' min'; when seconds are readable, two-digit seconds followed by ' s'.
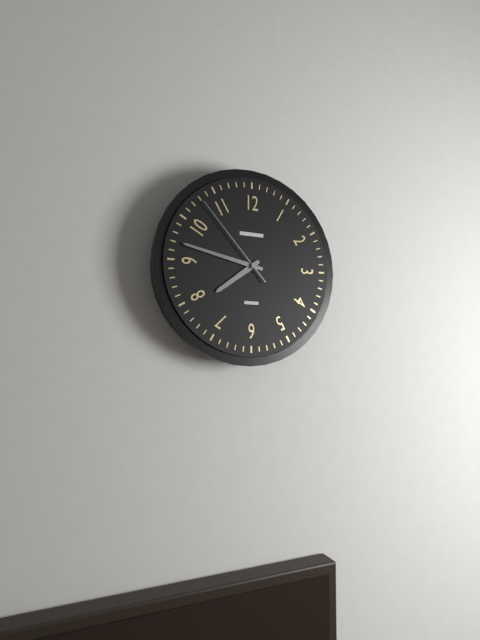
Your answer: 7 h 47 min 53 s
